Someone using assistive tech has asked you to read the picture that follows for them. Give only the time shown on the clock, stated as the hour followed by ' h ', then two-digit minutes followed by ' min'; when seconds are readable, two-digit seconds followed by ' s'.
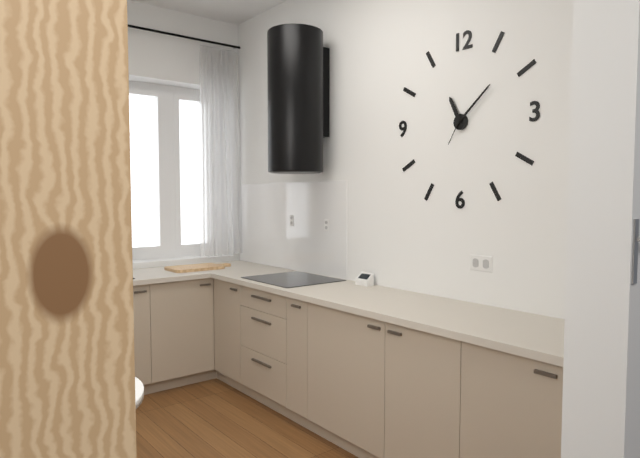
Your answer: 11 h 08 min
